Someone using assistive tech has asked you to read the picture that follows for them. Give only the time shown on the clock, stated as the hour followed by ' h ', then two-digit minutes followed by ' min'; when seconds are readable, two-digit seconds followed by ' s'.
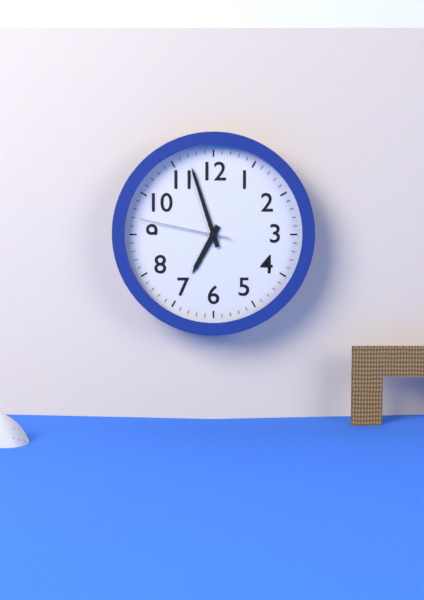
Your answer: 6 h 57 min 47 s
